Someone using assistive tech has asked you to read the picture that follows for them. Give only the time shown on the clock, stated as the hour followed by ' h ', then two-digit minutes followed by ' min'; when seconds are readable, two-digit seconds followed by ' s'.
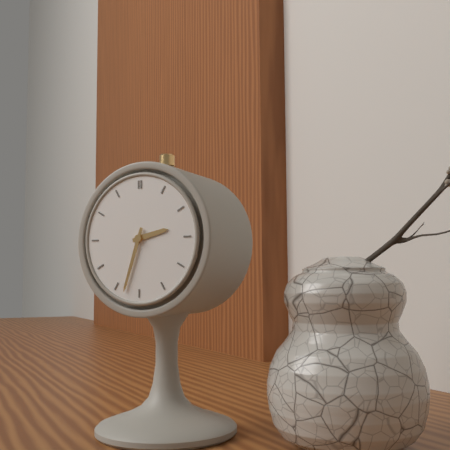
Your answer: 2 h 33 min
